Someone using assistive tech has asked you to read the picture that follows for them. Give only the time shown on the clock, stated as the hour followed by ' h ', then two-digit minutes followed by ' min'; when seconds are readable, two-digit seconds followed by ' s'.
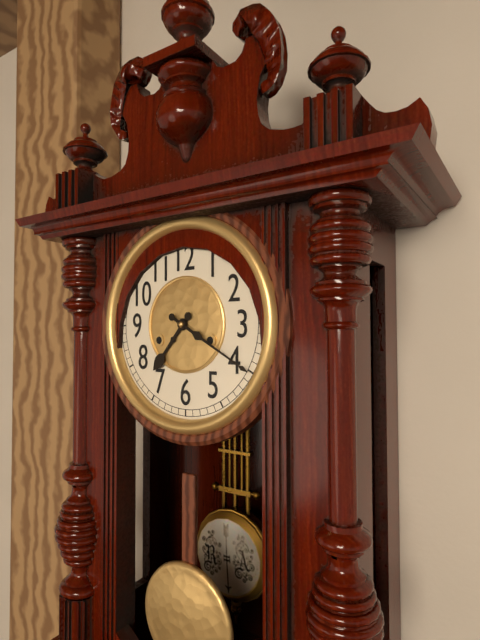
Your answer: 7 h 20 min
